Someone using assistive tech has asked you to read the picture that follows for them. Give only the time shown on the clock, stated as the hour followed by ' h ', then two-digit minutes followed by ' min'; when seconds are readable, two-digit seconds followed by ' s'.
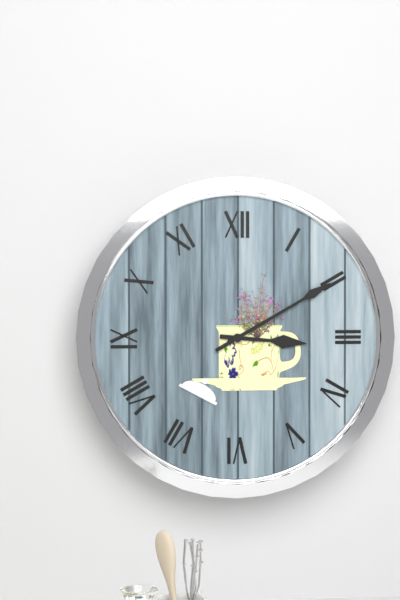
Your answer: 3 h 10 min
